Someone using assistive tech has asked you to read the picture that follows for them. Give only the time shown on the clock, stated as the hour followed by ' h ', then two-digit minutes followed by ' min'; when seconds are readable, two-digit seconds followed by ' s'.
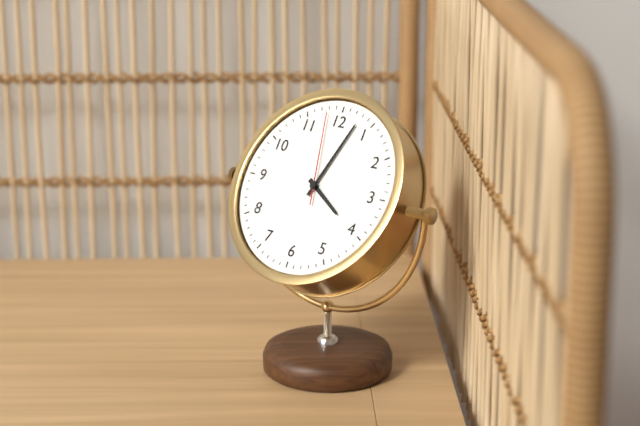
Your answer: 4 h 03 min 58 s
